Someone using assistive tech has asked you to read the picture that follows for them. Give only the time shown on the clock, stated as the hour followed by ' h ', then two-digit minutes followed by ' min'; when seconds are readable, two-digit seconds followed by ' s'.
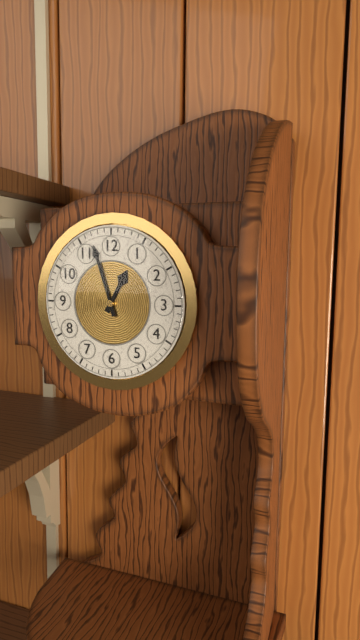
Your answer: 12 h 57 min
